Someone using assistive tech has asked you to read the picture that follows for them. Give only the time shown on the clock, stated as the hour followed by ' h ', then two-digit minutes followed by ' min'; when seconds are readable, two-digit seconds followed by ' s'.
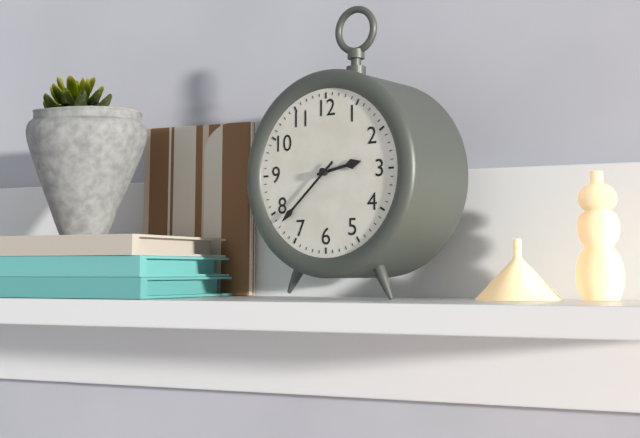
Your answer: 2 h 38 min
